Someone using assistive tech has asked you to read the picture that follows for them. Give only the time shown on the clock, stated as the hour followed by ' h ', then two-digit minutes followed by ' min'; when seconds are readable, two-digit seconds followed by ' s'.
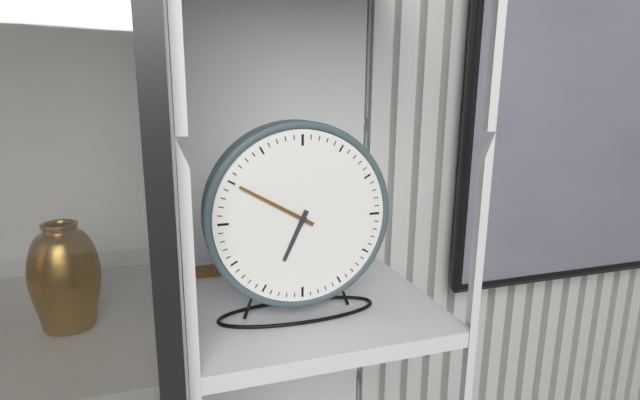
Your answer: 6 h 50 min
